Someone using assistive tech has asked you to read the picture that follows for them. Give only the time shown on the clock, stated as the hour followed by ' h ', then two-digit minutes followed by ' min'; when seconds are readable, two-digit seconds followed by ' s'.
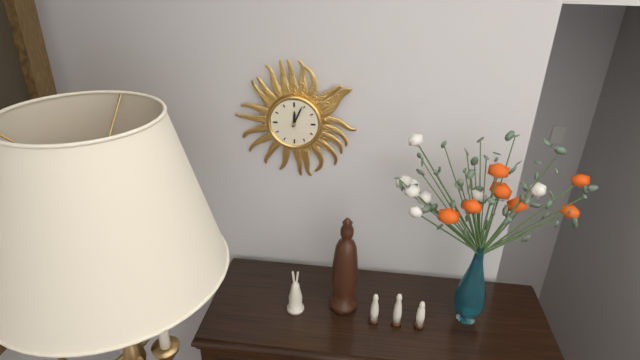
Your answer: 12 h 04 min
